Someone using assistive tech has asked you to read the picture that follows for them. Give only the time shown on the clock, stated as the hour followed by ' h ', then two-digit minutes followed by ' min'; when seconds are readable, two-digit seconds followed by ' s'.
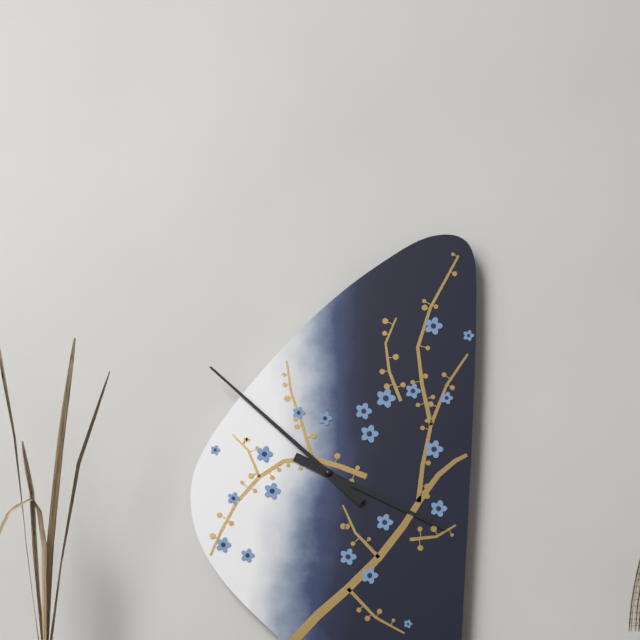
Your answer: 3 h 52 min
